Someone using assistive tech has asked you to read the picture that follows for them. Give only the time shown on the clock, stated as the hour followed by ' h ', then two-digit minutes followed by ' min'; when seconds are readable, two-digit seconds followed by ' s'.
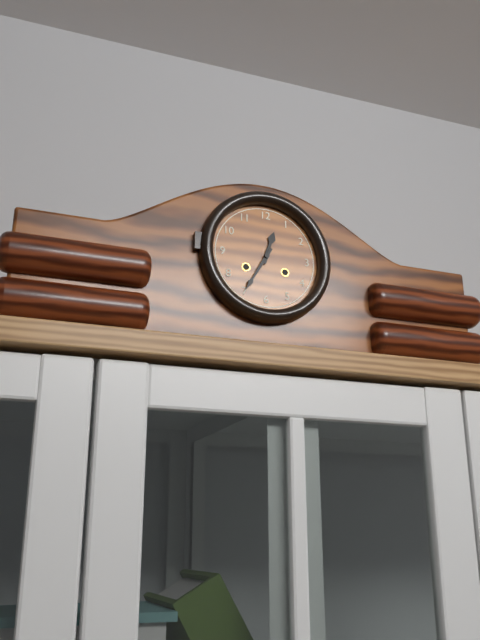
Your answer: 12 h 35 min
